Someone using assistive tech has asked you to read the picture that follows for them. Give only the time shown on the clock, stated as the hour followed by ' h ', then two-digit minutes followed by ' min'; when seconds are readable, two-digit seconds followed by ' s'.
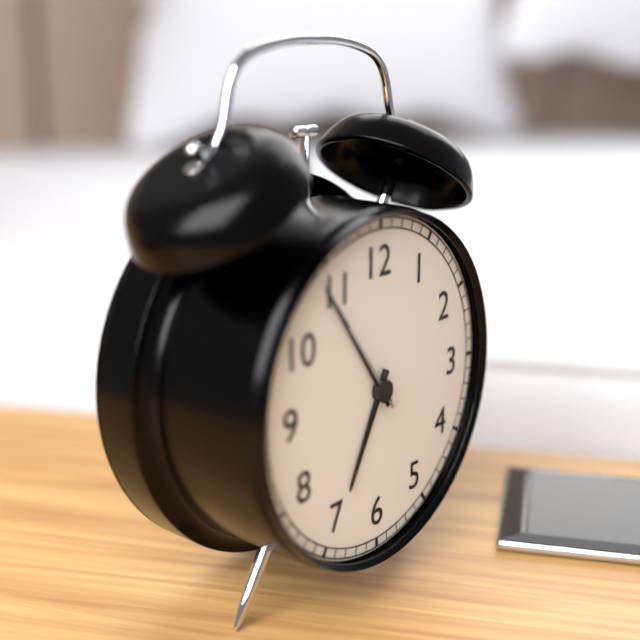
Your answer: 6 h 54 min 54 s
